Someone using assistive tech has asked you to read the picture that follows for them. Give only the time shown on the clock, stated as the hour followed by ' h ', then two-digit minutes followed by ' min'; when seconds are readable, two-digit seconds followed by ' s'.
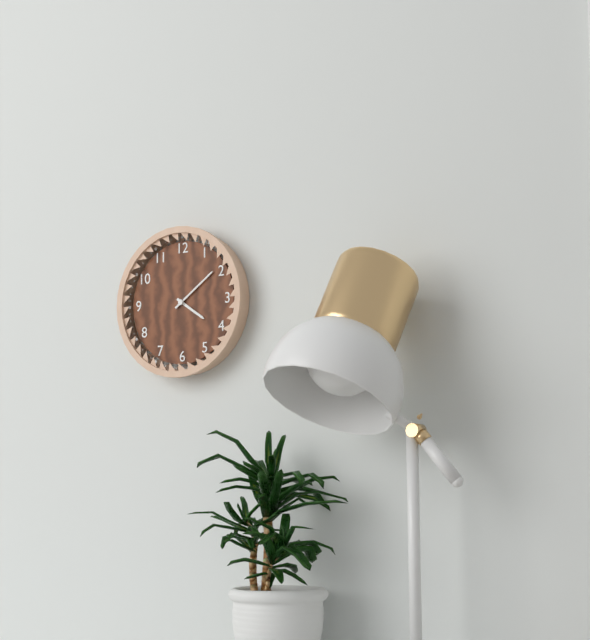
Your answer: 4 h 09 min
